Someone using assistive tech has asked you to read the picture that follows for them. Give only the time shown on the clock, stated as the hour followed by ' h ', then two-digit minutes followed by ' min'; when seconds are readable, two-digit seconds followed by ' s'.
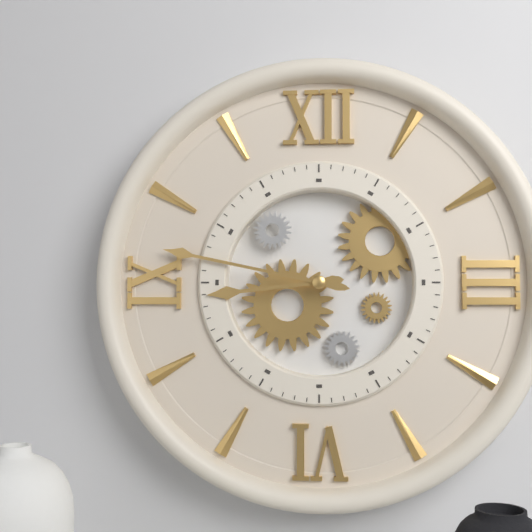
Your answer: 8 h 47 min
